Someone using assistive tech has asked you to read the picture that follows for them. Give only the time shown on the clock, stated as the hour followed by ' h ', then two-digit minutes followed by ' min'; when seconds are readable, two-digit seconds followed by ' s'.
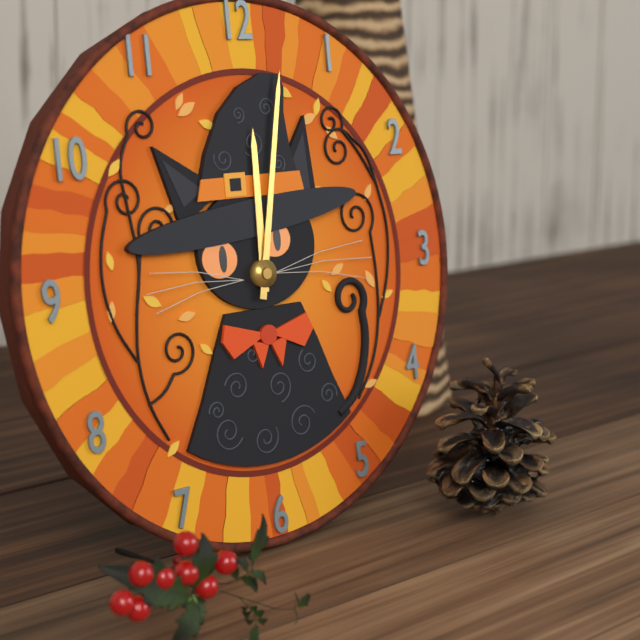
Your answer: 12 h 02 min
